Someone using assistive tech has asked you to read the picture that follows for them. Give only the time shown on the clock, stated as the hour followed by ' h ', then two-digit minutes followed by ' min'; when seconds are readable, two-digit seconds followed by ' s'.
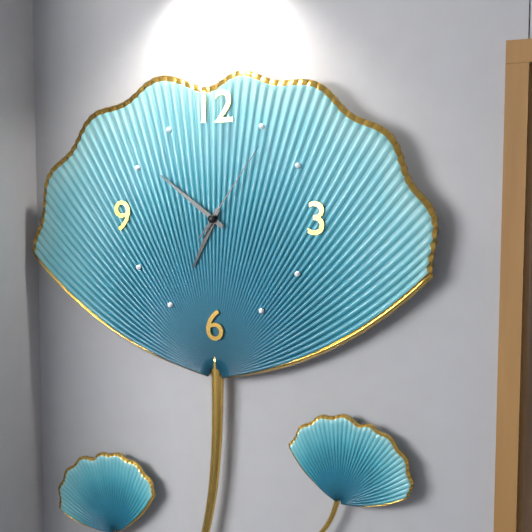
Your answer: 6 h 51 min 06 s
